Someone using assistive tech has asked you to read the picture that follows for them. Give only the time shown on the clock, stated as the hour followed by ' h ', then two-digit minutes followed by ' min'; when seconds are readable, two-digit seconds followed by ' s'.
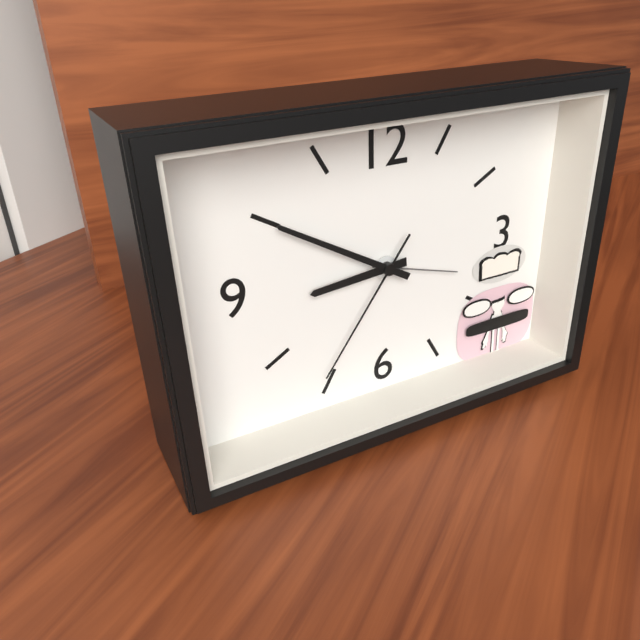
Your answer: 8 h 50 min 36 s
